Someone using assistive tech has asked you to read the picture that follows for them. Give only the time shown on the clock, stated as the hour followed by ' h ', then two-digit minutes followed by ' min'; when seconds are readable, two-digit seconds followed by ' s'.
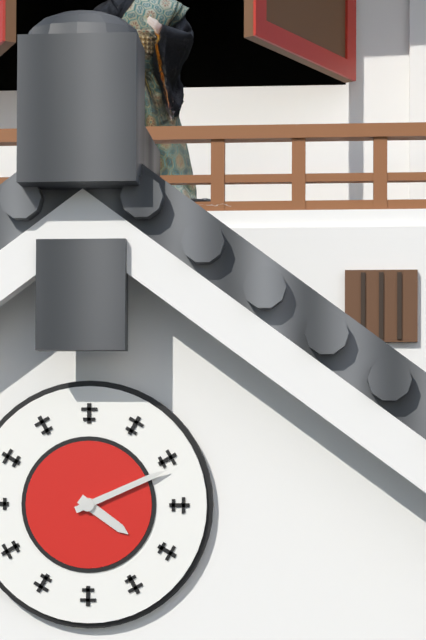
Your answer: 4 h 11 min
